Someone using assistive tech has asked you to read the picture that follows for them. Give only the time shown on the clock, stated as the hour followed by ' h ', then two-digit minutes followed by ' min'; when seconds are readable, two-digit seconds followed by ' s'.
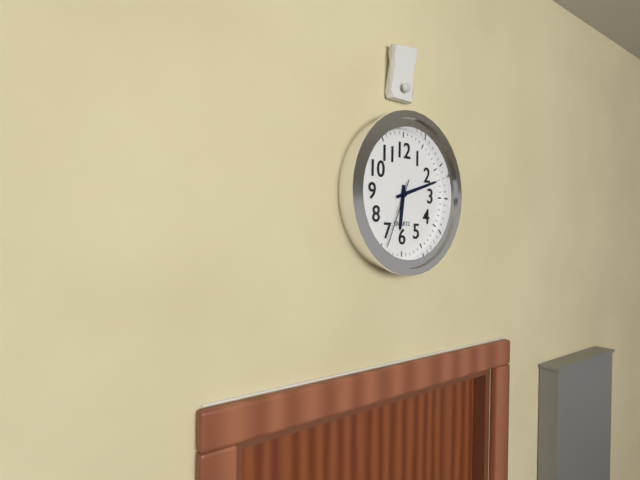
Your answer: 6 h 12 min 34 s
